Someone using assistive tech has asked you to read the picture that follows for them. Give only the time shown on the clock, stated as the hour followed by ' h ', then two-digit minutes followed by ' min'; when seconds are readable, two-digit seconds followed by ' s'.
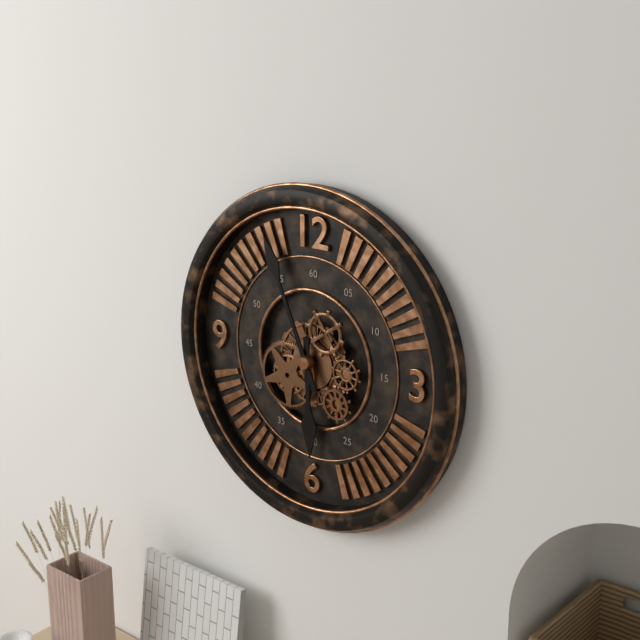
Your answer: 5 h 56 min
